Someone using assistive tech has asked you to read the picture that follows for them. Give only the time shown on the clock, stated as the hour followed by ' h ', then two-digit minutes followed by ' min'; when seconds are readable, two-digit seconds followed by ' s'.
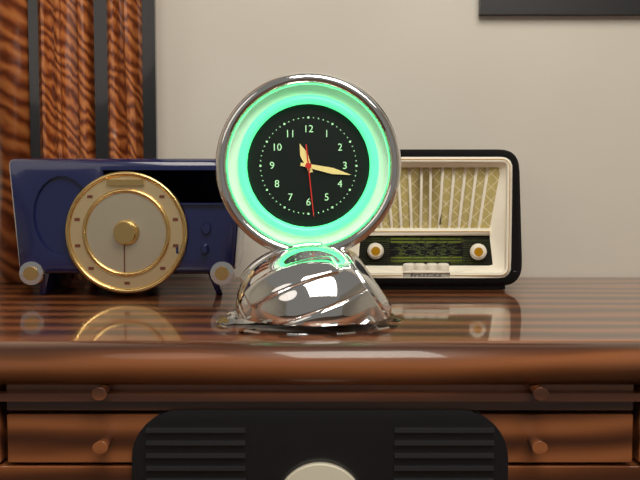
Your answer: 11 h 17 min 29 s
